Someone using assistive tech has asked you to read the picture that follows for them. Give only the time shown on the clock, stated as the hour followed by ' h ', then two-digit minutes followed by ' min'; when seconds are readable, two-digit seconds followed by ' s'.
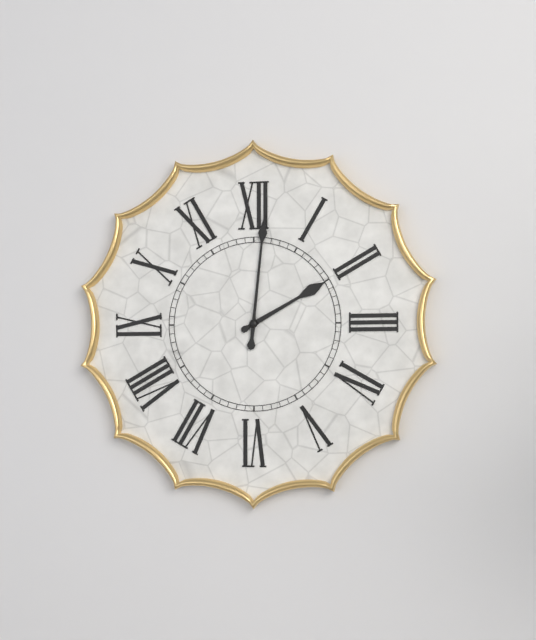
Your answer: 2 h 01 min
